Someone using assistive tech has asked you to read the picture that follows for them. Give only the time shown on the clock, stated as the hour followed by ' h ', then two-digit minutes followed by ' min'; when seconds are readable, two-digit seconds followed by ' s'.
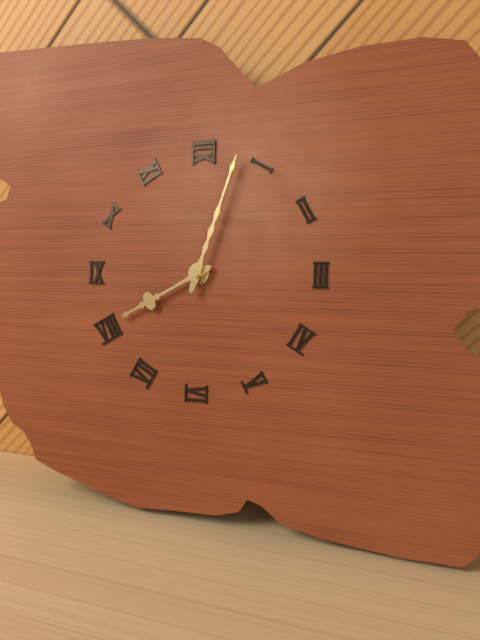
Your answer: 8 h 03 min
